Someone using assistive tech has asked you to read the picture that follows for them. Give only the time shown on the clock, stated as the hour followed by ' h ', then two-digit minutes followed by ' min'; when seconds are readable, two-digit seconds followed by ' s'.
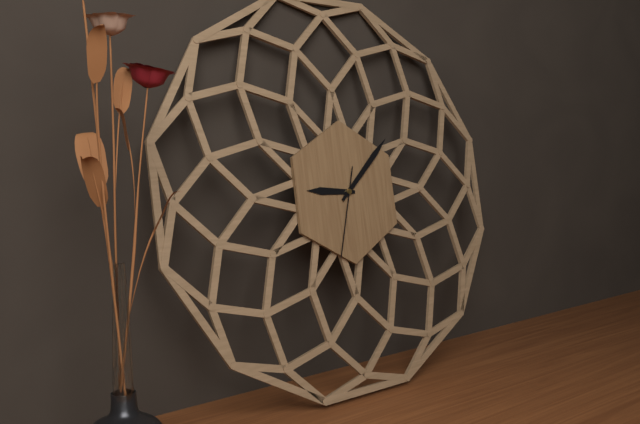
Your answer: 9 h 08 min 33 s
